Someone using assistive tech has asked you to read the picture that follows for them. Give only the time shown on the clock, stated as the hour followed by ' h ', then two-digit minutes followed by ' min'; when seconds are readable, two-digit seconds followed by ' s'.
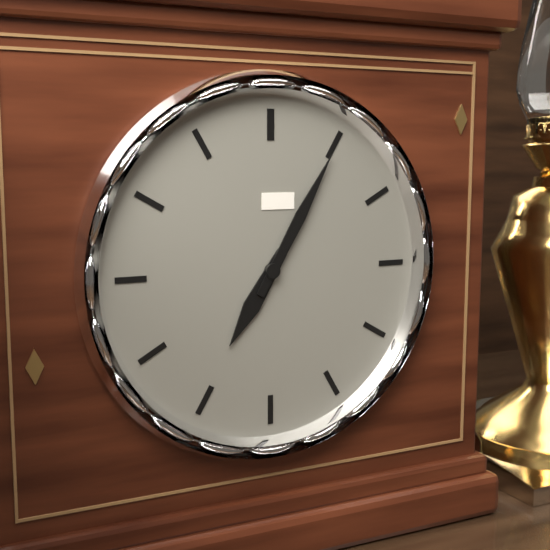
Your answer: 7 h 05 min
